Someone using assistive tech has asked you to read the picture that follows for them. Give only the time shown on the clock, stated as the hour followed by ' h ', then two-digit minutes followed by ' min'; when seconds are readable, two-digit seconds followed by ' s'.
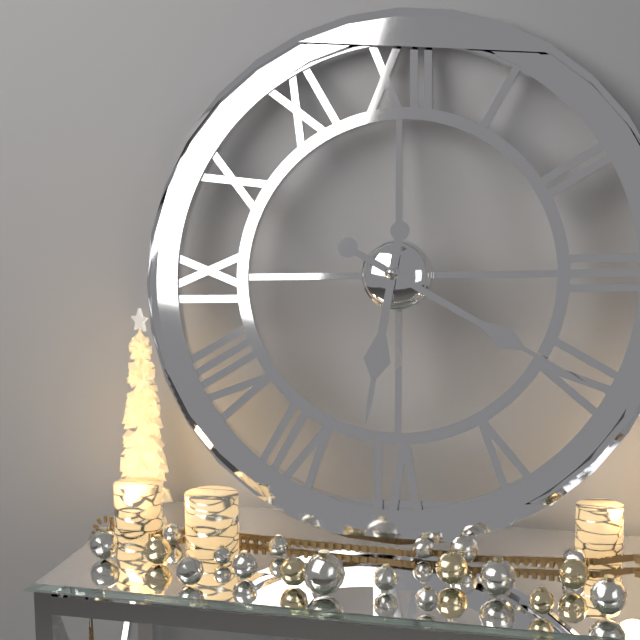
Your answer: 6 h 20 min
